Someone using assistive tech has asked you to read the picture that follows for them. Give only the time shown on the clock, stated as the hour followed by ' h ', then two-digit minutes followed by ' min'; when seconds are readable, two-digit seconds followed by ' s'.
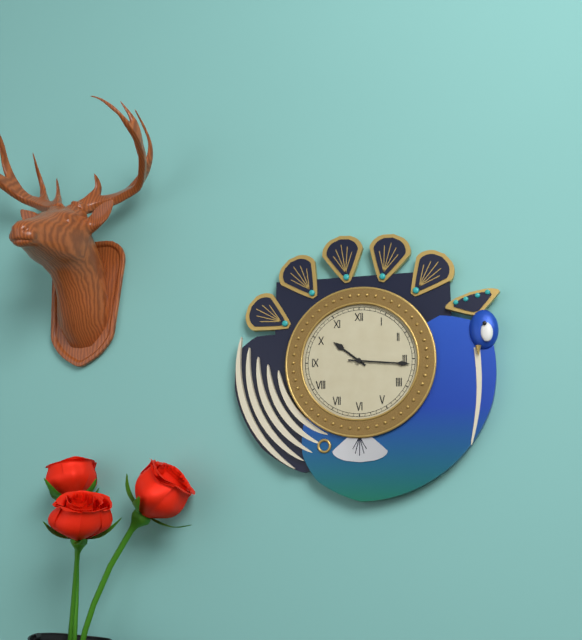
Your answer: 10 h 16 min
